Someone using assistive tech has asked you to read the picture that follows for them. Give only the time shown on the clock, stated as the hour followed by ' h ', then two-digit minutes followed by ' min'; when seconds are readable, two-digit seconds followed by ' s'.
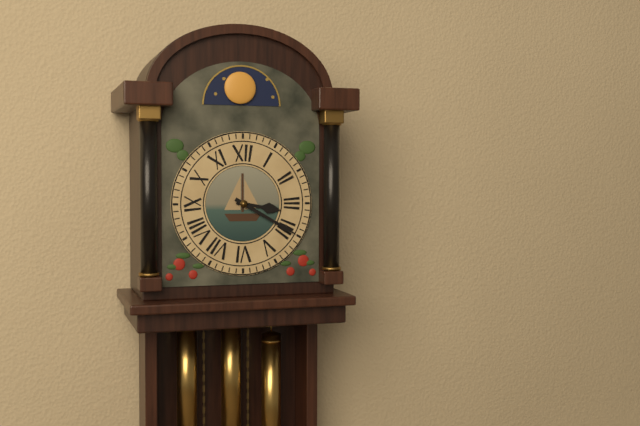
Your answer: 3 h 20 min
